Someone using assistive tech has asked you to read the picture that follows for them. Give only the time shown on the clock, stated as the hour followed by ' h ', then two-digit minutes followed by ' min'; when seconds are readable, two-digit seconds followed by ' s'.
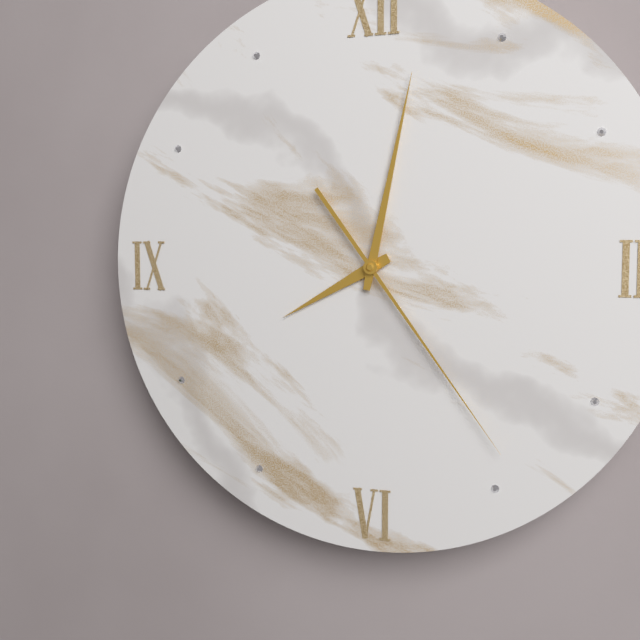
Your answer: 8 h 02 min 24 s
